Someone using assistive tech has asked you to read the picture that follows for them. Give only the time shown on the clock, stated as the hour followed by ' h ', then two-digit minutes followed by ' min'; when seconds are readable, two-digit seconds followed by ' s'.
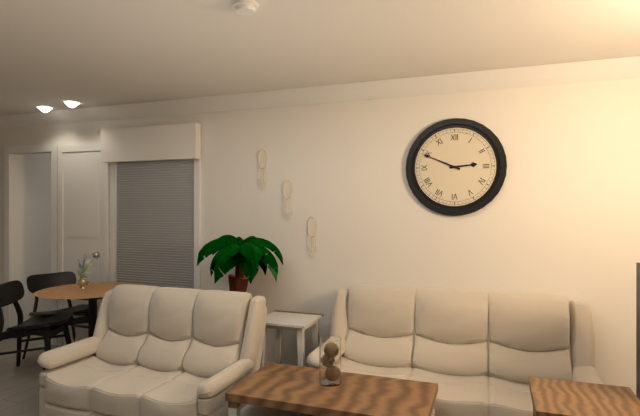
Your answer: 2 h 49 min
